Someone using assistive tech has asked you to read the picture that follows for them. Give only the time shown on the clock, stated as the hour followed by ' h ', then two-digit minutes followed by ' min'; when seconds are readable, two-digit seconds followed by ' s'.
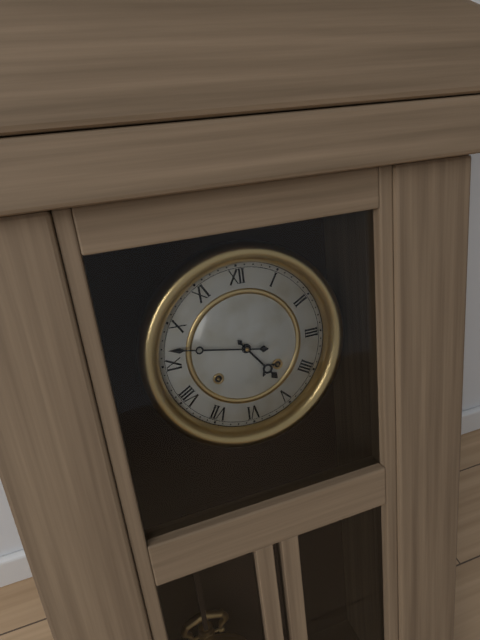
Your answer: 4 h 47 min
